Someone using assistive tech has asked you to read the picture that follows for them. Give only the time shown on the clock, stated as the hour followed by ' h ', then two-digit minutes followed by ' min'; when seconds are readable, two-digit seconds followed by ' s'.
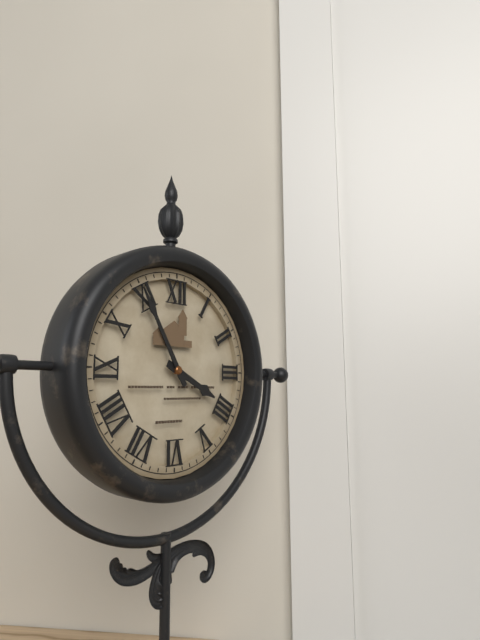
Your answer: 3 h 55 min
